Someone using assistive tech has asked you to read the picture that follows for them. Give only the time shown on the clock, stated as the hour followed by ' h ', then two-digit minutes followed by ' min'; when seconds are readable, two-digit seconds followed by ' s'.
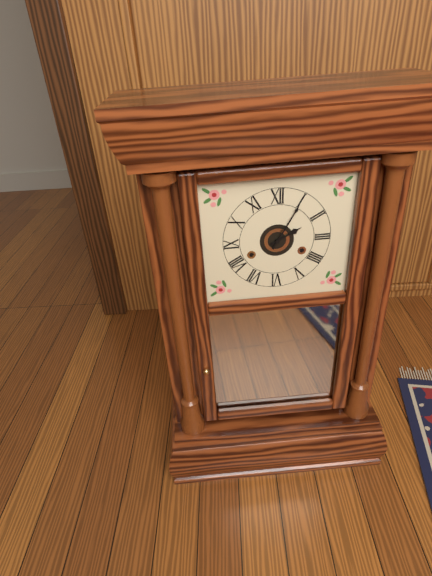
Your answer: 2 h 05 min
